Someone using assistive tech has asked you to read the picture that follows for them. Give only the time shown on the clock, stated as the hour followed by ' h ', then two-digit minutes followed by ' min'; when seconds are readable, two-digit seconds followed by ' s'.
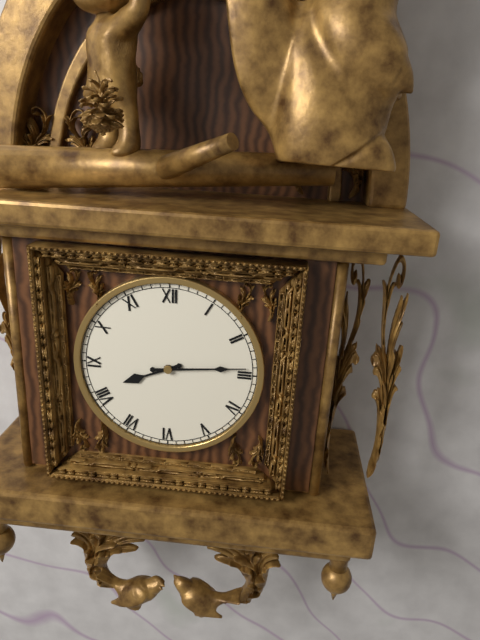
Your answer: 8 h 14 min
